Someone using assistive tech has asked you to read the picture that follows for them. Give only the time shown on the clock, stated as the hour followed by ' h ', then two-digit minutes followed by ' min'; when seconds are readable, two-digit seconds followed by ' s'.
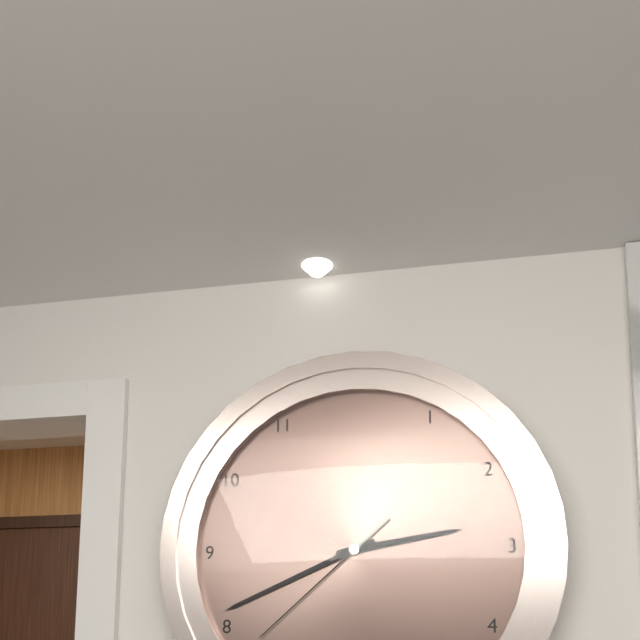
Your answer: 2 h 41 min 38 s
